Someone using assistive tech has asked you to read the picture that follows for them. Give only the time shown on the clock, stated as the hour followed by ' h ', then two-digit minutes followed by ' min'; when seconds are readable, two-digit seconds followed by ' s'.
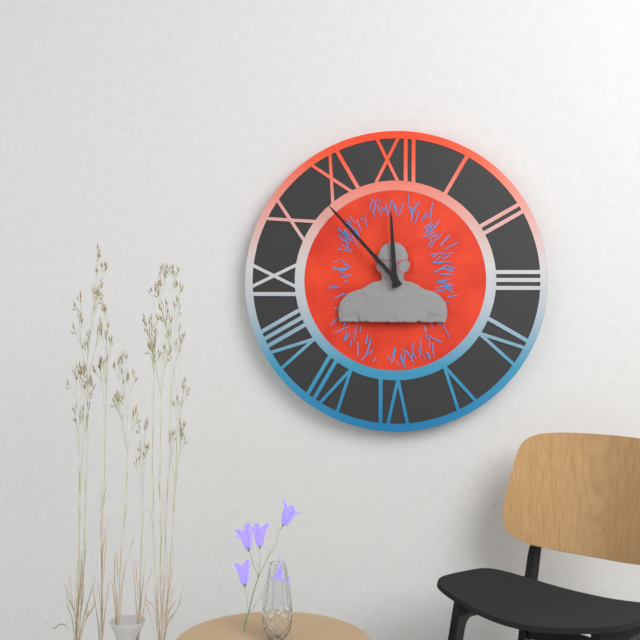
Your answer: 11 h 53 min
